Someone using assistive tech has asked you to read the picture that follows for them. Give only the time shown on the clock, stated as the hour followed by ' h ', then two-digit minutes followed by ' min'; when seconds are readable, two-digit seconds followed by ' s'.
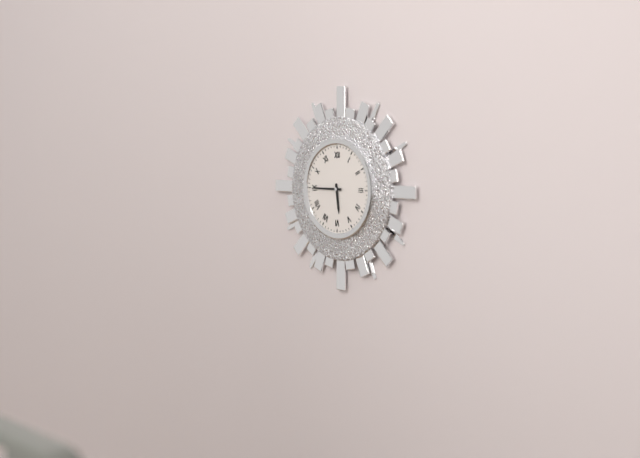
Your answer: 5 h 45 min
